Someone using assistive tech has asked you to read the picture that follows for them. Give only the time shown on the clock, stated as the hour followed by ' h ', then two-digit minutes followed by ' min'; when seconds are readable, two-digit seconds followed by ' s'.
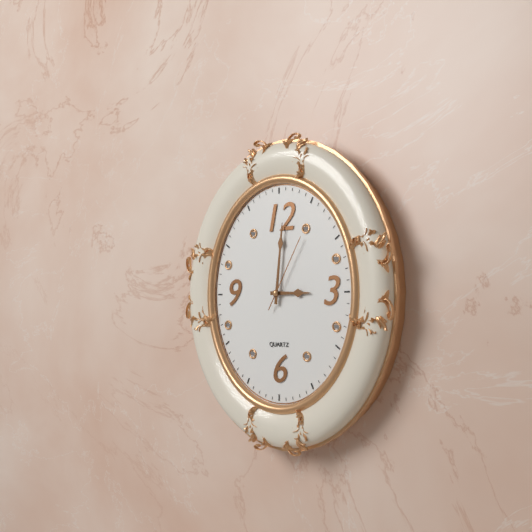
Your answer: 3 h 01 min 05 s
